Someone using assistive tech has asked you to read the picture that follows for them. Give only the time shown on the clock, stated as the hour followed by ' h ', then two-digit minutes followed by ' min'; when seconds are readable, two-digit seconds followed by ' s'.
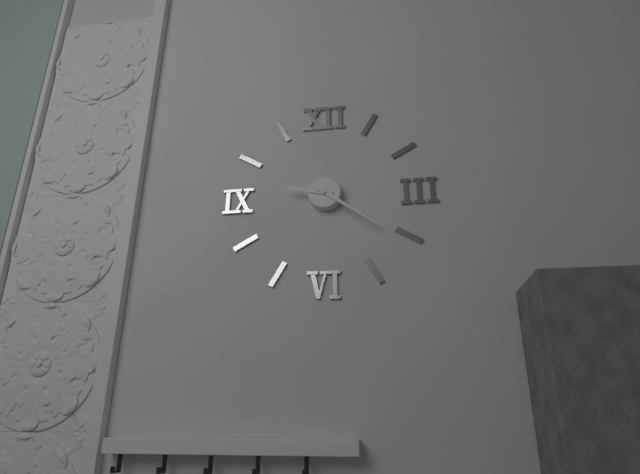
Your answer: 9 h 21 min
